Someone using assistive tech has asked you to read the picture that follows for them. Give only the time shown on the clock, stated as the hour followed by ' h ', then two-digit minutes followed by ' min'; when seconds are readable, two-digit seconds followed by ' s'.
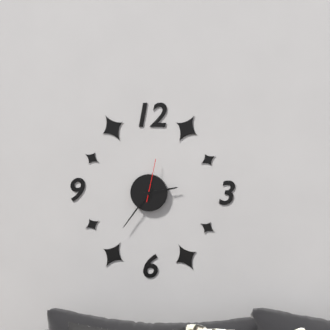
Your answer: 2 h 36 min
